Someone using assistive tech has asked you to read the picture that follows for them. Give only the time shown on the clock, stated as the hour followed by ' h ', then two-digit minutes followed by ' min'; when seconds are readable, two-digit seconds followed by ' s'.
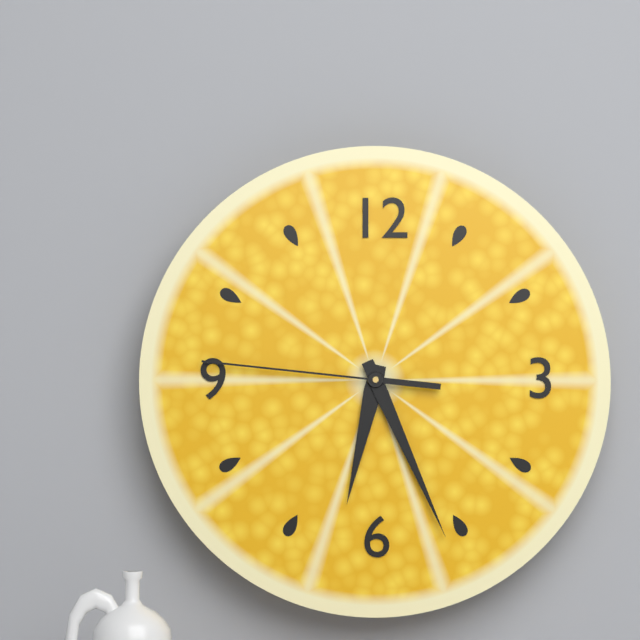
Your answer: 6 h 26 min 46 s
